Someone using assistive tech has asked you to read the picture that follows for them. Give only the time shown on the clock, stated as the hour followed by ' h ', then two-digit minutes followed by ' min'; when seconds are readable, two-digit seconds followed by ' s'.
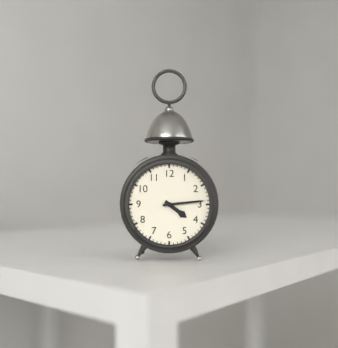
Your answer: 4 h 14 min
